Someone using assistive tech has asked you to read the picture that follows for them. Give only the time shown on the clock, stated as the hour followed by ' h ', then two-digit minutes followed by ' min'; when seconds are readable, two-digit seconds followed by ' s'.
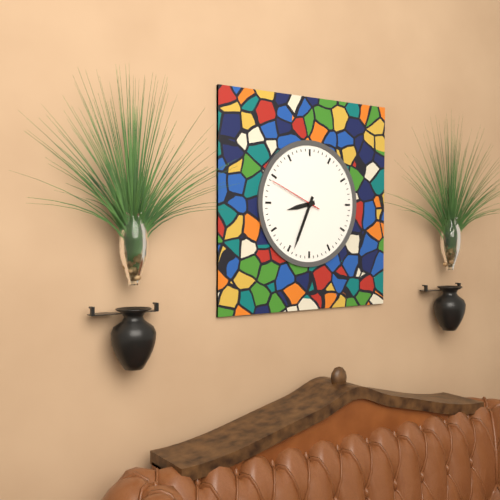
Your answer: 8 h 34 min 49 s
